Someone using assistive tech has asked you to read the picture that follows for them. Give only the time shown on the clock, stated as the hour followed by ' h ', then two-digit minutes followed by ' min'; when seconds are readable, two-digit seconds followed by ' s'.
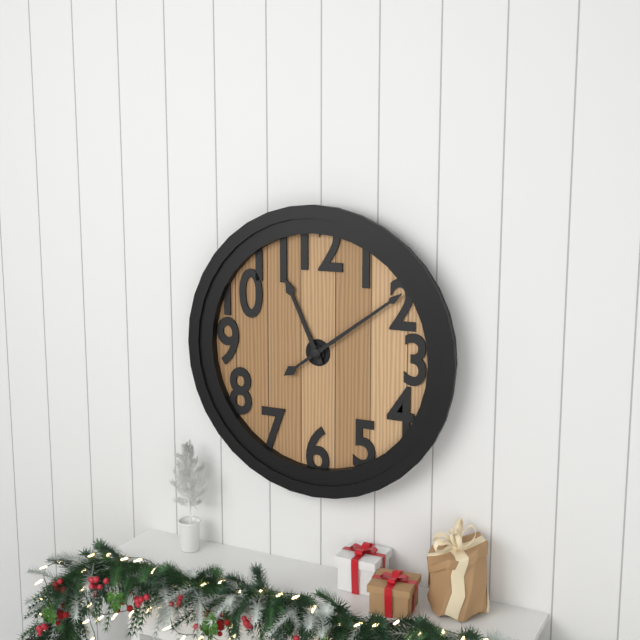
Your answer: 11 h 09 min
